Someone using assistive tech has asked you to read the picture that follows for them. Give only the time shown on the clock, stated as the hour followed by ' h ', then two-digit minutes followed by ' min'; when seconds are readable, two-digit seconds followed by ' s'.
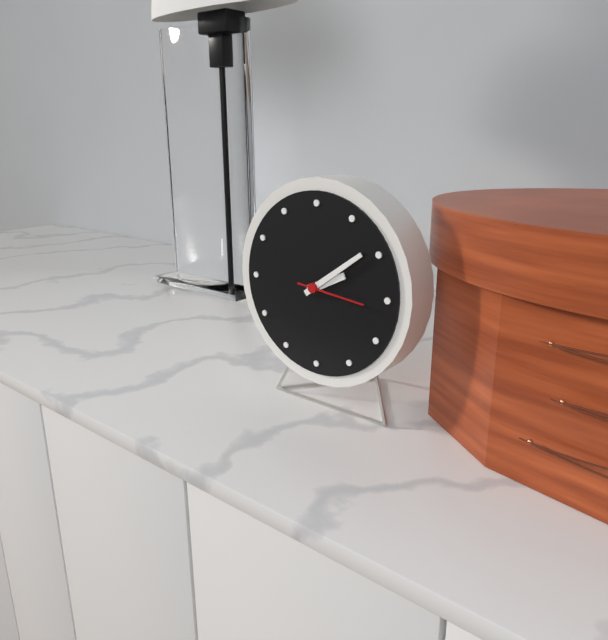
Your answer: 2 h 09 min 16 s
